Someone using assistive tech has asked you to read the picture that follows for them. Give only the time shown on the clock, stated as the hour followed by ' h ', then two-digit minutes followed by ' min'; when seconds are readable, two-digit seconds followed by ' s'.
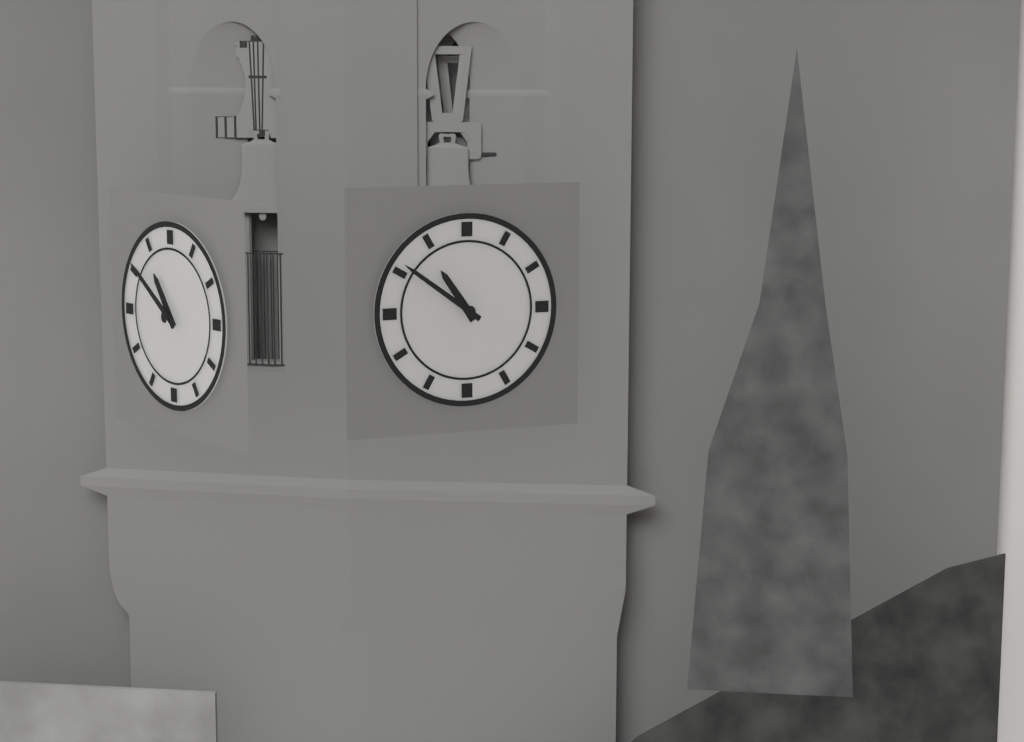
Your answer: 10 h 51 min
